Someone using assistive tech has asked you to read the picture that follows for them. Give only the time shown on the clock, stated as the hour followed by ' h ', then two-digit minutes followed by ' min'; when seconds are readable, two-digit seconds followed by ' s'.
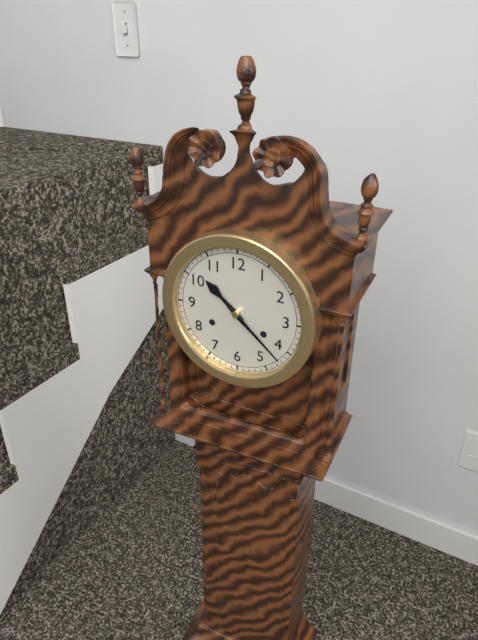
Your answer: 10 h 22 min
